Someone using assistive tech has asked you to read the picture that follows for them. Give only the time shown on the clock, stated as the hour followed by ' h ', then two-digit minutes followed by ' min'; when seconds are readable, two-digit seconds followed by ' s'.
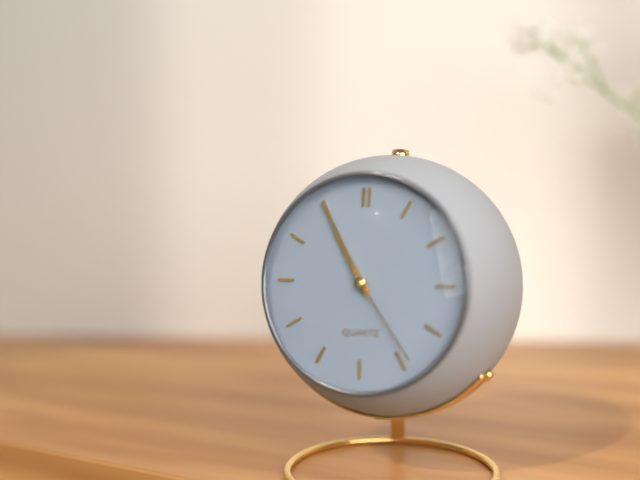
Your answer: 10 h 55 min 24 s
